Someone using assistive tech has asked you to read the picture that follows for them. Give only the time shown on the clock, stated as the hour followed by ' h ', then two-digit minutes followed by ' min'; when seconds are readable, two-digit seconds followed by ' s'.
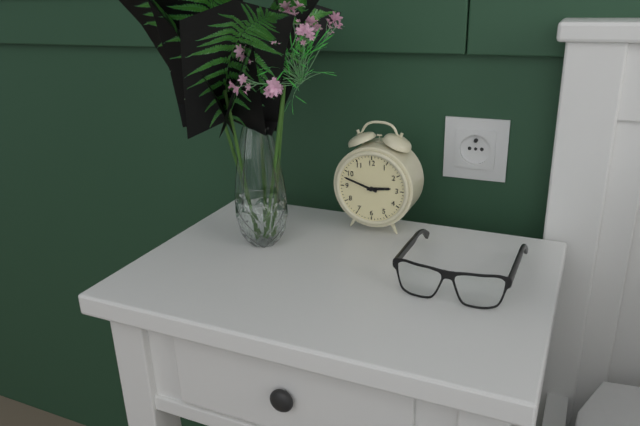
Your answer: 2 h 48 min
